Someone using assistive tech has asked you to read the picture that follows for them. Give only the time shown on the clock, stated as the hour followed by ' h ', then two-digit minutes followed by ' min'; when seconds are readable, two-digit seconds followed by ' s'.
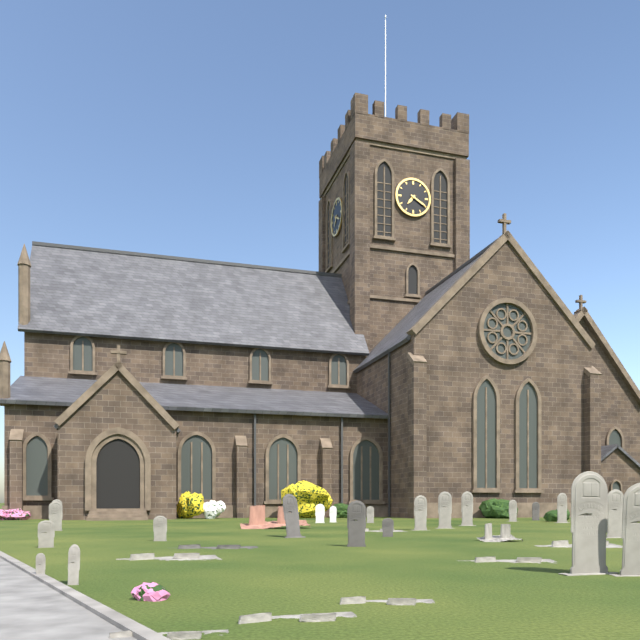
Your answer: 7 h 20 min
